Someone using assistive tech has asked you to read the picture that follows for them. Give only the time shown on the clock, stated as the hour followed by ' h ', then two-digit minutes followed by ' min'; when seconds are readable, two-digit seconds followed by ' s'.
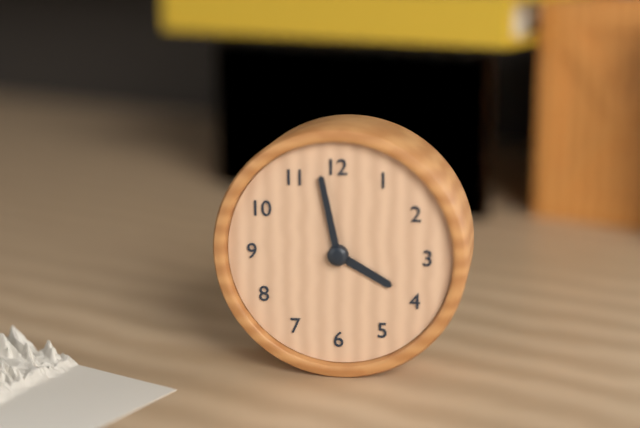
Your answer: 3 h 58 min
